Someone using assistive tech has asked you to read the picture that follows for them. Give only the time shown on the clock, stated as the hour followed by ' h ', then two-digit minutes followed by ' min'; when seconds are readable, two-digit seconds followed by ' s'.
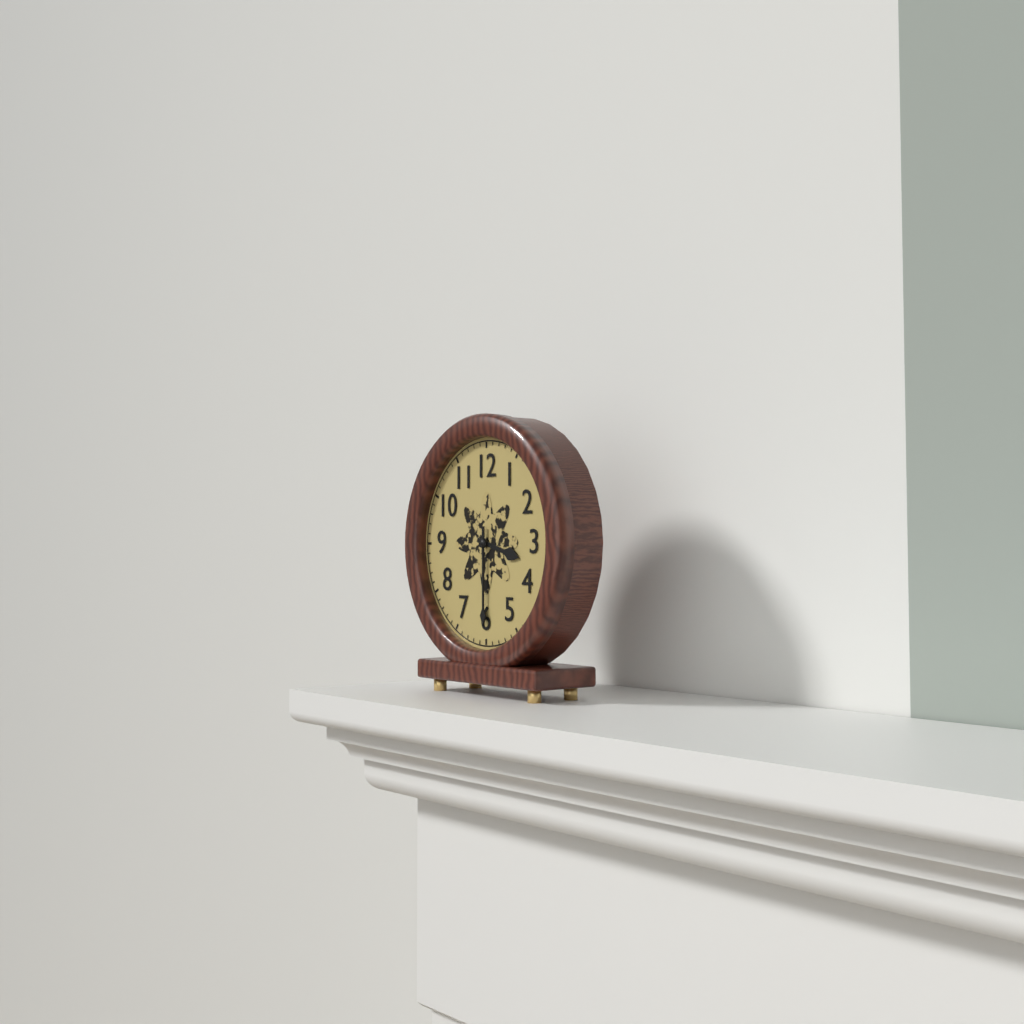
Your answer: 3 h 30 min
